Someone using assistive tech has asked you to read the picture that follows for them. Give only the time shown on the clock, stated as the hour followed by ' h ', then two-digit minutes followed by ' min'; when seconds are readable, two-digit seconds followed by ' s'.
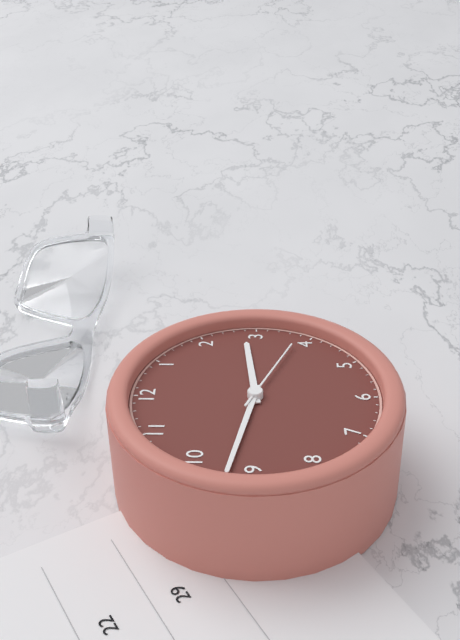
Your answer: 2 h 47 min 19 s
